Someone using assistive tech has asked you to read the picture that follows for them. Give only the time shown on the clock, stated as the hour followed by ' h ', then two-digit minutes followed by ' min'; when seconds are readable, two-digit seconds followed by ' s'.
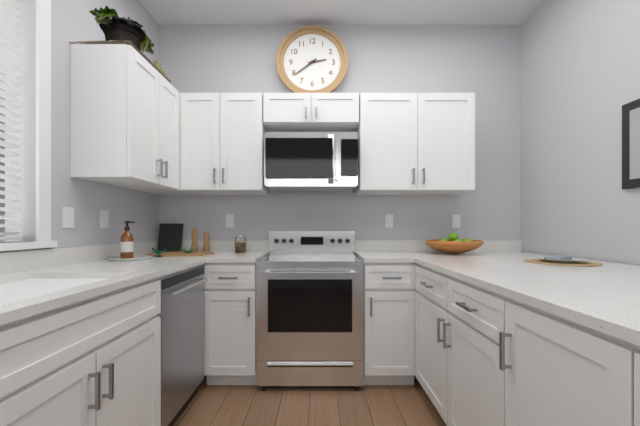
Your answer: 2 h 39 min
